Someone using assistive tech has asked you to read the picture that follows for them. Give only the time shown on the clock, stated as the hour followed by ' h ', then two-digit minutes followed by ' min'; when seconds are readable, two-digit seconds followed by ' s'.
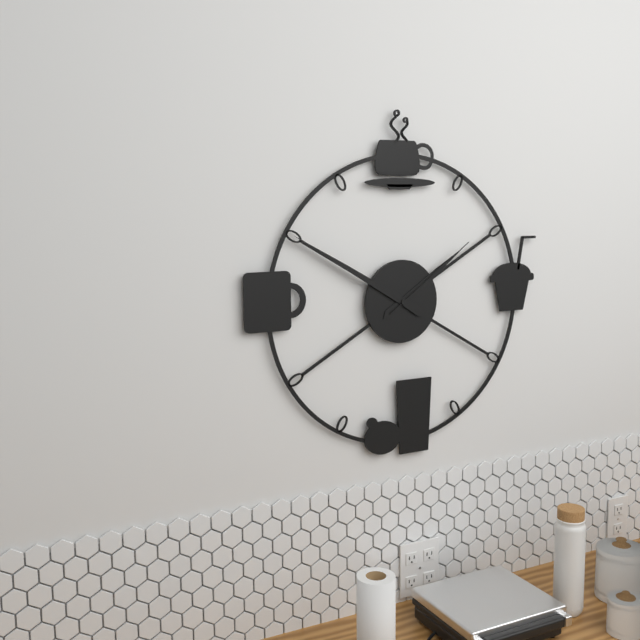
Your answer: 1 h 50 min 09 s
